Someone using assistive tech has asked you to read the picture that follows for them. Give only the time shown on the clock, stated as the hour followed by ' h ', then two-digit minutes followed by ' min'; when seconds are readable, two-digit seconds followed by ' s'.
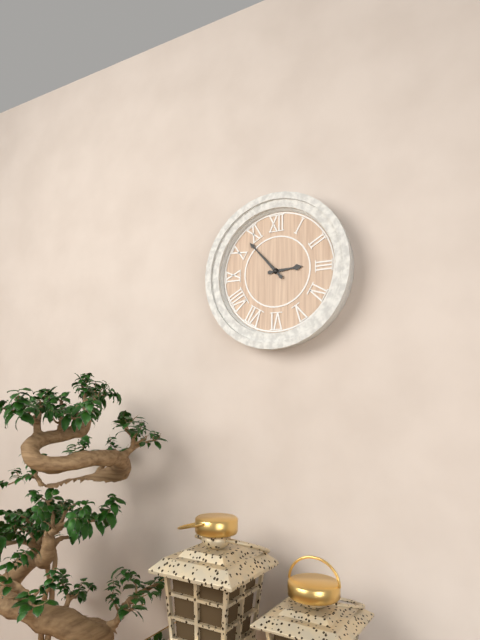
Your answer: 2 h 53 min
